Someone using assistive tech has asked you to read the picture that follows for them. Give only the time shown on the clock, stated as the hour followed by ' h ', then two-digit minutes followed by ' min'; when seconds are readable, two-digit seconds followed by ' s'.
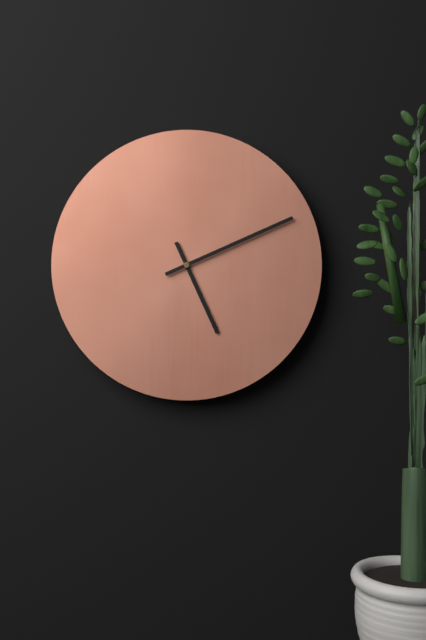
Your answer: 5 h 11 min
